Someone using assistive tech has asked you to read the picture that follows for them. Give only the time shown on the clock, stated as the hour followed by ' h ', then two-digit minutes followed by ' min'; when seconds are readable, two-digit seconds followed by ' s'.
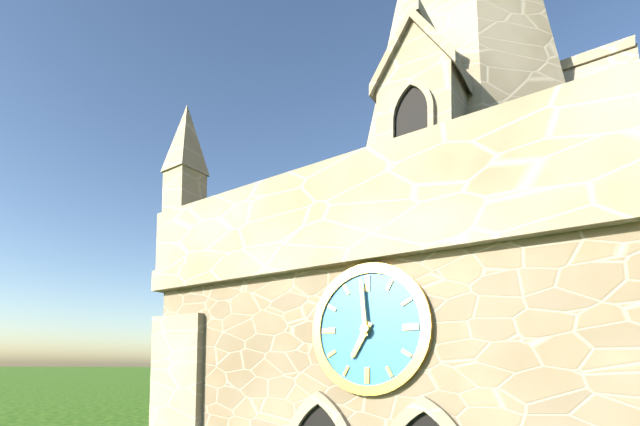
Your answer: 6 h 59 min
